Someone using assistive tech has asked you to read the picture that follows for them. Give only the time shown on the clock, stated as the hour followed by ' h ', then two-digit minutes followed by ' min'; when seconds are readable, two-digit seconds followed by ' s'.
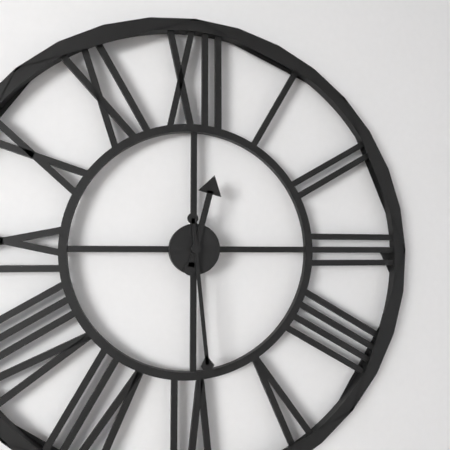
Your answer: 12 h 29 min
